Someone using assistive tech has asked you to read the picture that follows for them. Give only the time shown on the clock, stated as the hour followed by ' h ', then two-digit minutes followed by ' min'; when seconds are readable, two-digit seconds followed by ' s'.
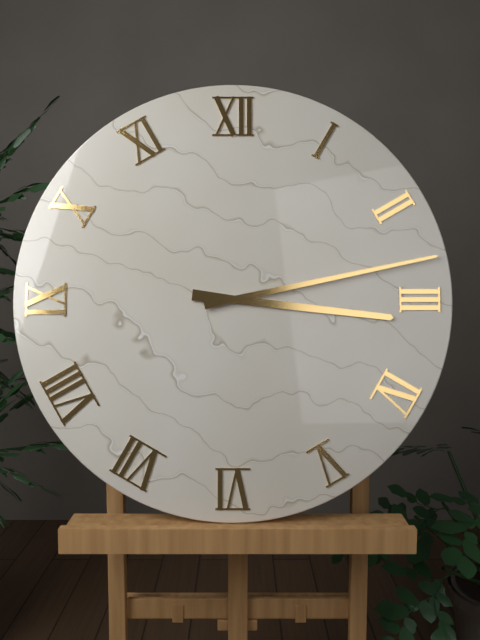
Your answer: 3 h 13 min
